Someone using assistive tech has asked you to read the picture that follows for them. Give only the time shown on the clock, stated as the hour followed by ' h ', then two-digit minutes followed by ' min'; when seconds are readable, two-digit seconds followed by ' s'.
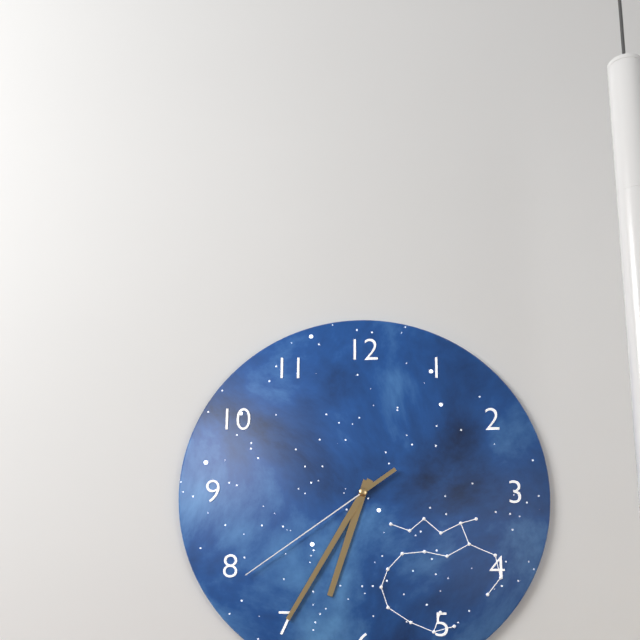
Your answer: 6 h 35 min 39 s
